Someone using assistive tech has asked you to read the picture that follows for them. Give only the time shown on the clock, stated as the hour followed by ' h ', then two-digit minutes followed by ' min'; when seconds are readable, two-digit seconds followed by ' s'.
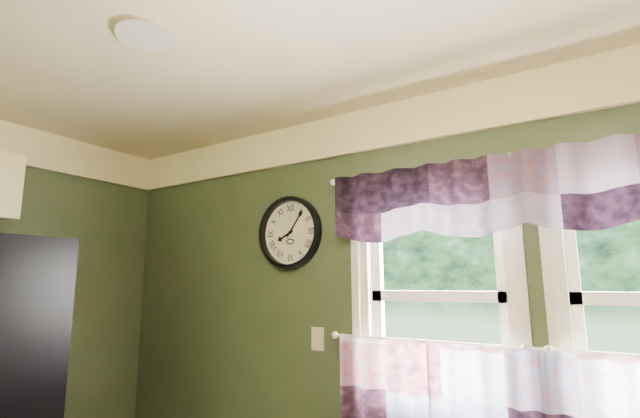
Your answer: 8 h 06 min
